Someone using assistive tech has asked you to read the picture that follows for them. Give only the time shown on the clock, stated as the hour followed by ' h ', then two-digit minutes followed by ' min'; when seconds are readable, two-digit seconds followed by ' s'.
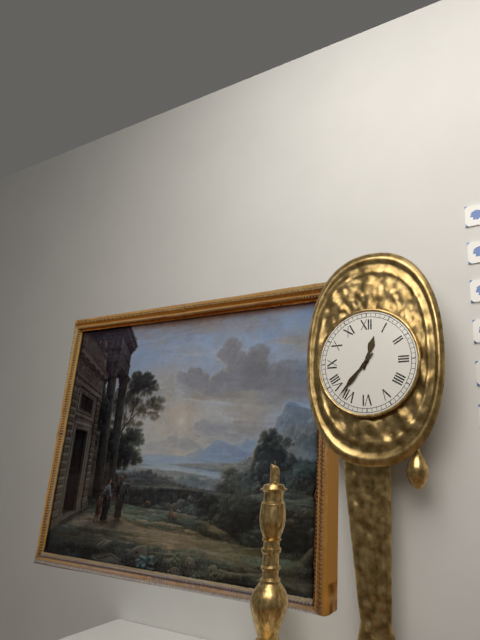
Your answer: 12 h 37 min
